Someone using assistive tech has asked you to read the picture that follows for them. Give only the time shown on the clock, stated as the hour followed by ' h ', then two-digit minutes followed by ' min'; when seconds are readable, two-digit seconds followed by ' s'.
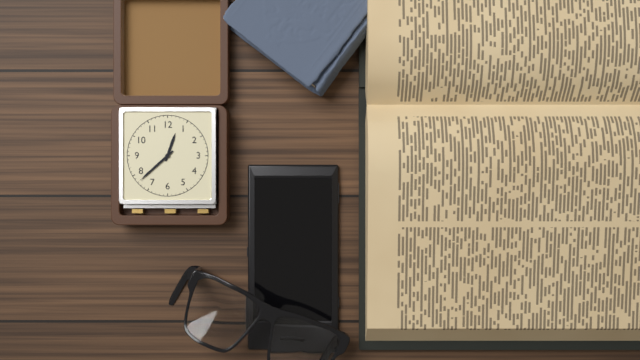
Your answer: 12 h 38 min
